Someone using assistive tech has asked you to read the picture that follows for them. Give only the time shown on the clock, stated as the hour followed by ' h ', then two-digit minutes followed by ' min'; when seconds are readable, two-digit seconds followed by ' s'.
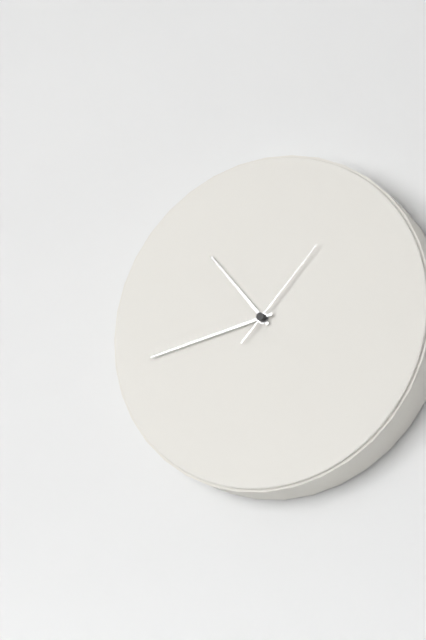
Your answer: 10 h 43 min 07 s
